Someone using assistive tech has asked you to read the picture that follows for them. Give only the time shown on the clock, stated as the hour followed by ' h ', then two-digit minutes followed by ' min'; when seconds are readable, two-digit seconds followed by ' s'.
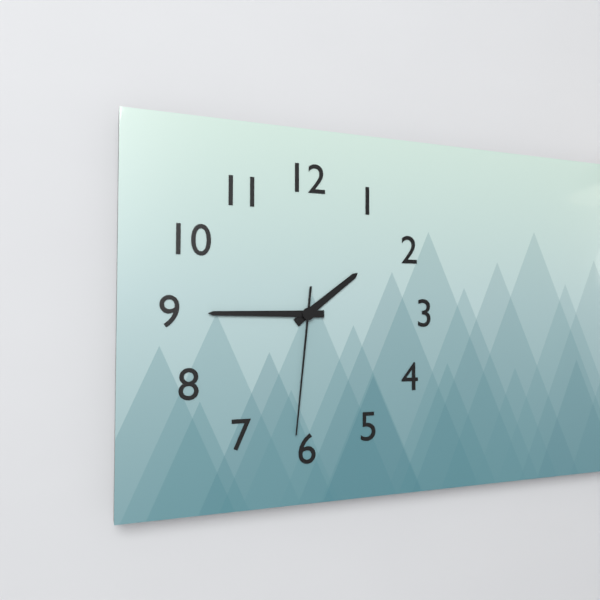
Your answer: 1 h 45 min 31 s
